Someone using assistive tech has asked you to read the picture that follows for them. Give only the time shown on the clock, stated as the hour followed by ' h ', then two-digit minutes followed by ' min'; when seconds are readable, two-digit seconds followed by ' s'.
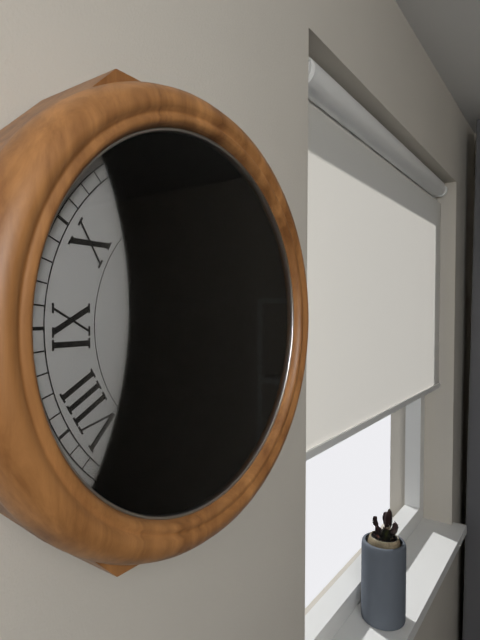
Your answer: 11 h 37 min
